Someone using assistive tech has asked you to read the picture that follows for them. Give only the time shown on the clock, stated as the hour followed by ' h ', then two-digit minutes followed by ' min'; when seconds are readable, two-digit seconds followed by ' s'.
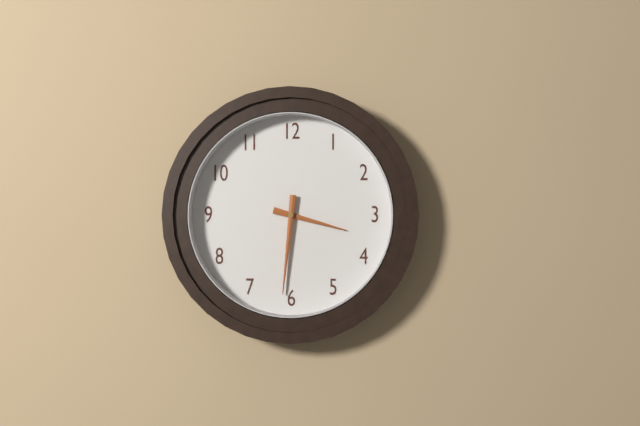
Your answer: 3 h 31 min
